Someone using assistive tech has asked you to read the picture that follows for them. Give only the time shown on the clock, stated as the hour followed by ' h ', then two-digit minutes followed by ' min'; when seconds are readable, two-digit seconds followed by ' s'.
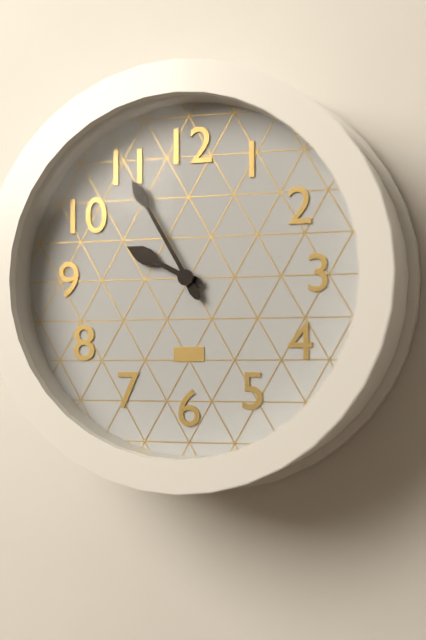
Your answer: 9 h 55 min
